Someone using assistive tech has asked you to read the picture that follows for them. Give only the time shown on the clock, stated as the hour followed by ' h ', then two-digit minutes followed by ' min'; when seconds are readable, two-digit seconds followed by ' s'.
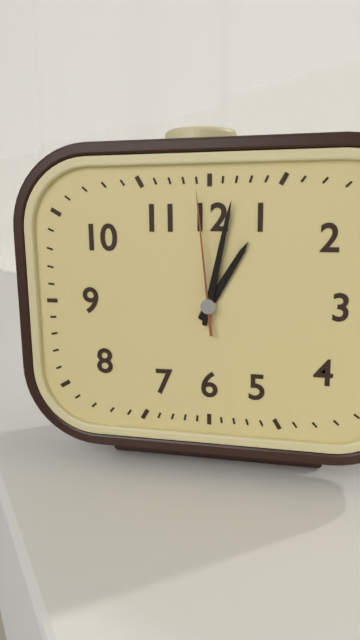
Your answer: 1 h 02 min 59 s
